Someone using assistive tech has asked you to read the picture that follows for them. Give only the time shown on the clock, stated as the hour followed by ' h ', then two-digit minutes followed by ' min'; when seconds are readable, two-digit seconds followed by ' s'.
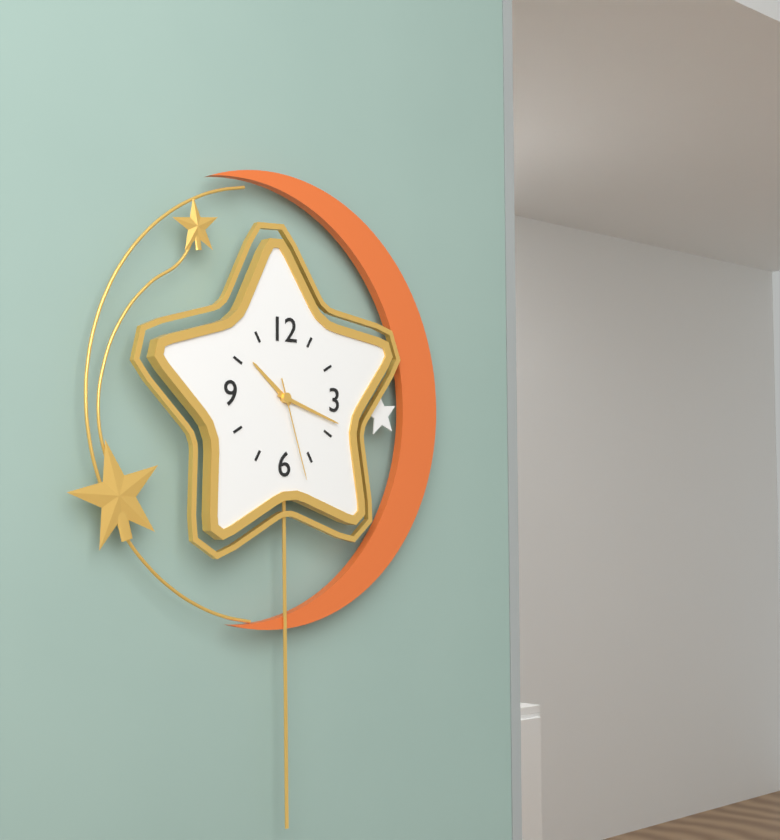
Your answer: 10 h 18 min 27 s
